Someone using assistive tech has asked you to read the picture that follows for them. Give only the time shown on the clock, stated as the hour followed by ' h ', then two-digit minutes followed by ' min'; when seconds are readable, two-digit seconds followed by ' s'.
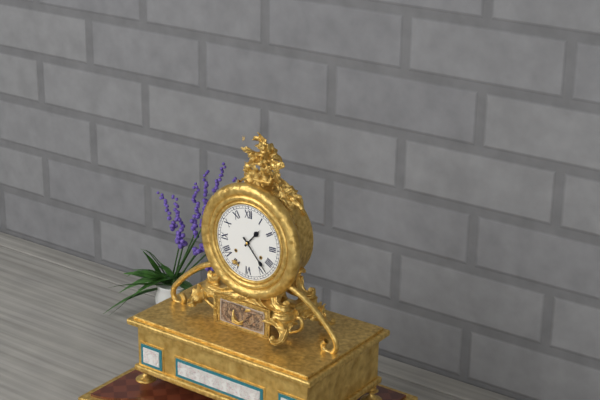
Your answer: 1 h 23 min
